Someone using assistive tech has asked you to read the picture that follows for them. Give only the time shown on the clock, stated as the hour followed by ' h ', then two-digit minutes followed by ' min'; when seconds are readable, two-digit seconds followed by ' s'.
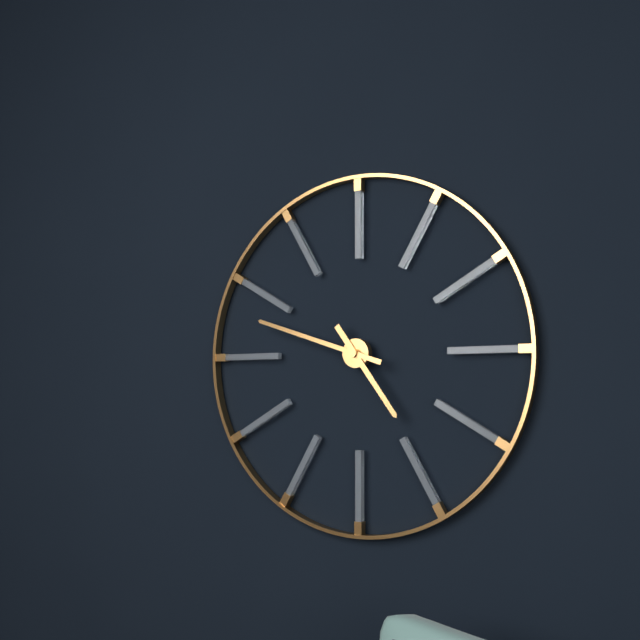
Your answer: 4 h 48 min
